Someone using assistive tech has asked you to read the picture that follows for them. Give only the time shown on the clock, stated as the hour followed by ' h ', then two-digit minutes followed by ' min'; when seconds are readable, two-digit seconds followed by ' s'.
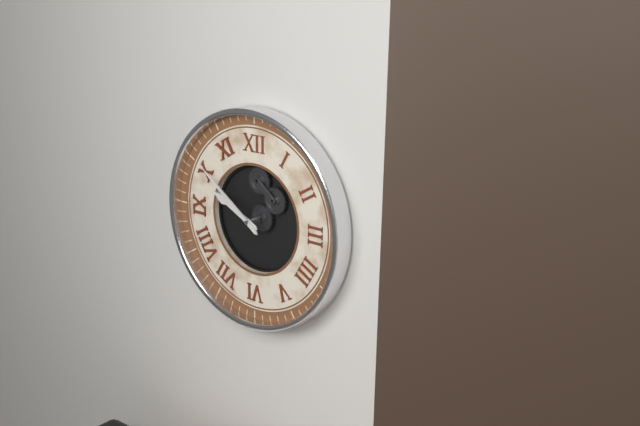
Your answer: 9 h 51 min
